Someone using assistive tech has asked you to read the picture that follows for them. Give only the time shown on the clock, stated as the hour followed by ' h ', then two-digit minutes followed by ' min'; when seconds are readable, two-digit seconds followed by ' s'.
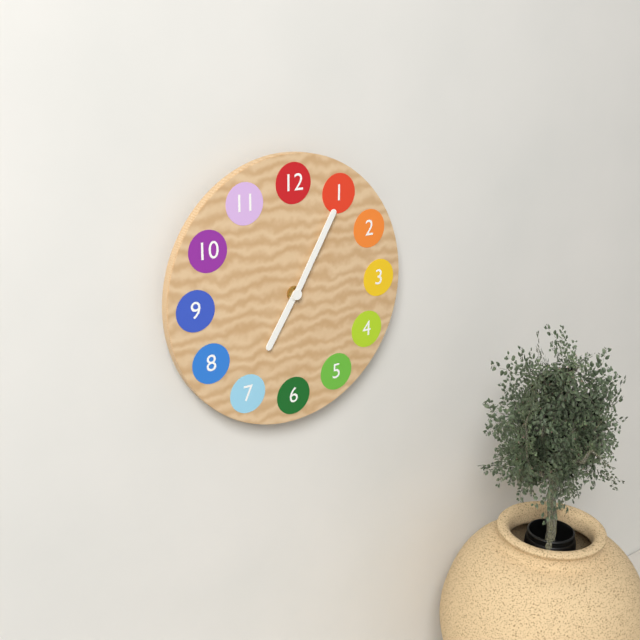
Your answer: 7 h 05 min
